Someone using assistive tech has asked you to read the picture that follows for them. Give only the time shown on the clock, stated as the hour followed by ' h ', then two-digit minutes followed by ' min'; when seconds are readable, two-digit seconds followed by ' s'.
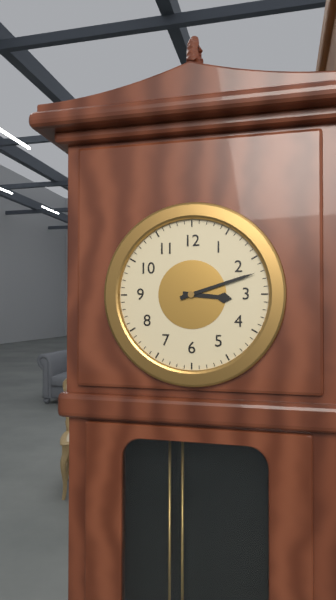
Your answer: 3 h 12 min
